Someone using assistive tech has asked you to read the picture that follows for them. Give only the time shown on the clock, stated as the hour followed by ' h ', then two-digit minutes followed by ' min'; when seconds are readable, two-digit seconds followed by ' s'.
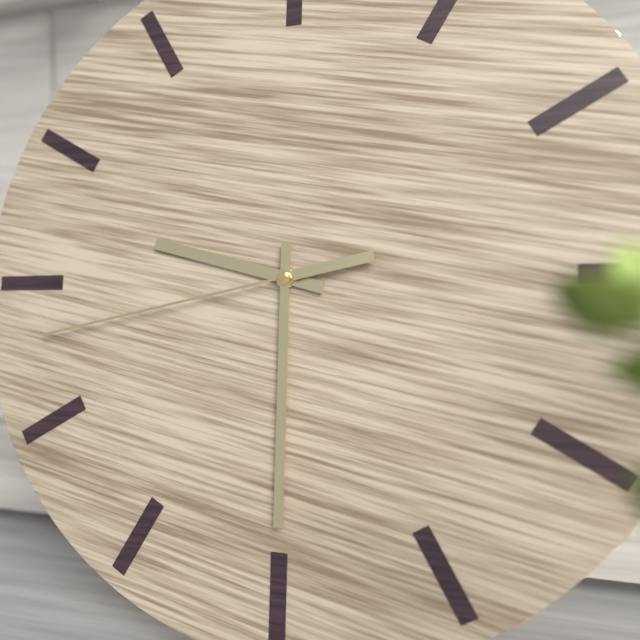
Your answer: 9 h 30 min 43 s
